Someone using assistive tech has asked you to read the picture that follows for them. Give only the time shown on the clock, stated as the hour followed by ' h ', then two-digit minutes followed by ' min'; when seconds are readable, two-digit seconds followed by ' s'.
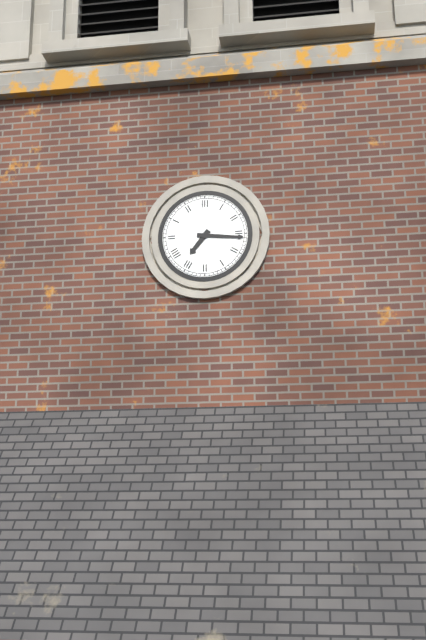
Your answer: 7 h 16 min
